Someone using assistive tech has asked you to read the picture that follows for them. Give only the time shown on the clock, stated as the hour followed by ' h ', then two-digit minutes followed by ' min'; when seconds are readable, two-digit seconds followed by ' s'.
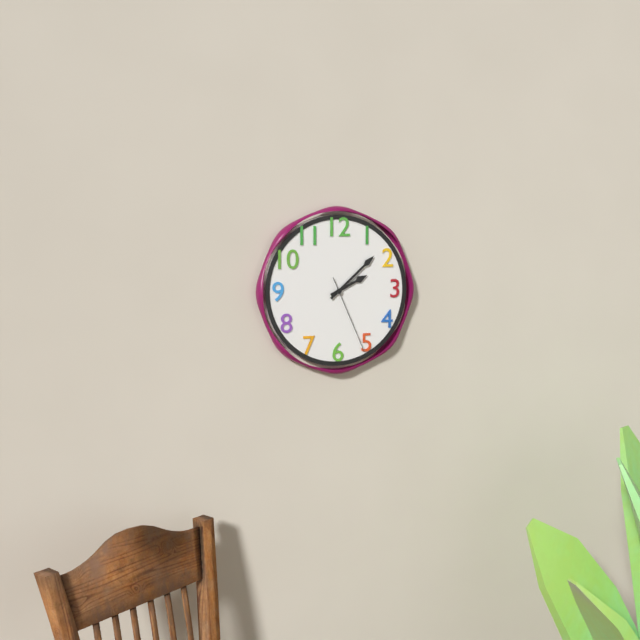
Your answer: 2 h 08 min 26 s
